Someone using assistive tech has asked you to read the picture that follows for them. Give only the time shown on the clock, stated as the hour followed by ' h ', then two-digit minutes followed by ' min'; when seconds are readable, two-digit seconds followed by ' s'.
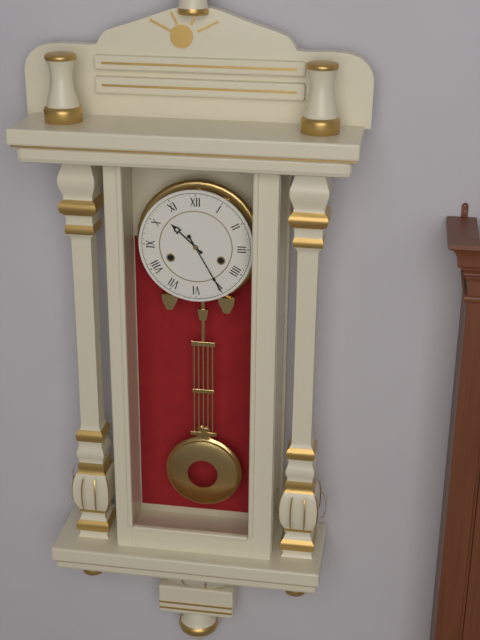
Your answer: 10 h 25 min
